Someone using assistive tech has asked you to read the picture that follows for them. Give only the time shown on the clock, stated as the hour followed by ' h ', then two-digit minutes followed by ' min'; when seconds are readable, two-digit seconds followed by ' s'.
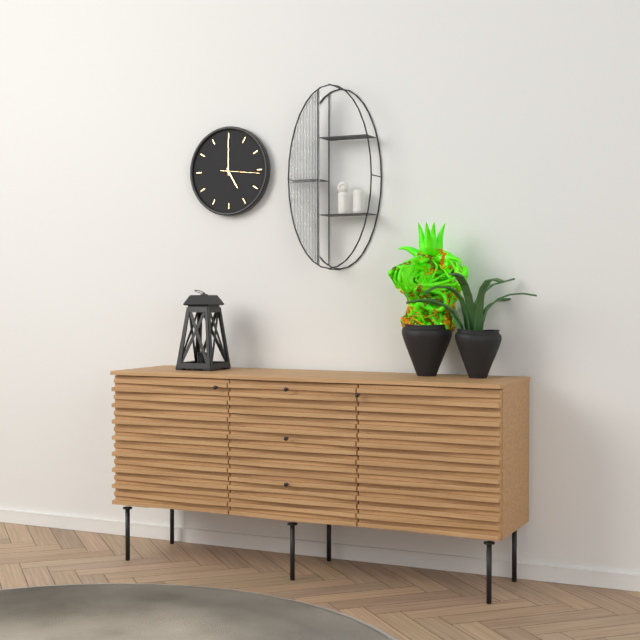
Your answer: 5 h 00 min
